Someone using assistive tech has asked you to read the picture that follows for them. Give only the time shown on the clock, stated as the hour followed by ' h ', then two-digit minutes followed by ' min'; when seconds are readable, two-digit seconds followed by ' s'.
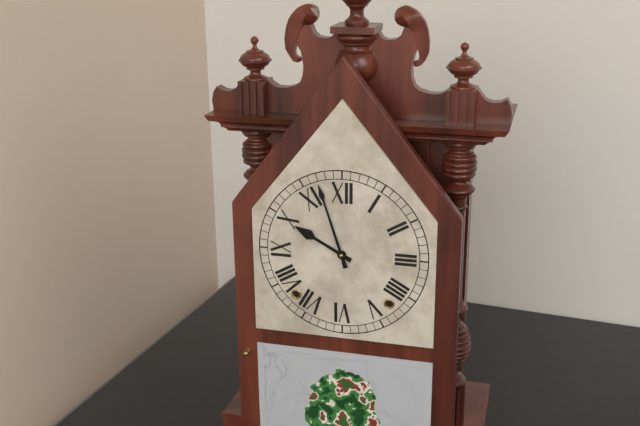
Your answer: 9 h 57 min
